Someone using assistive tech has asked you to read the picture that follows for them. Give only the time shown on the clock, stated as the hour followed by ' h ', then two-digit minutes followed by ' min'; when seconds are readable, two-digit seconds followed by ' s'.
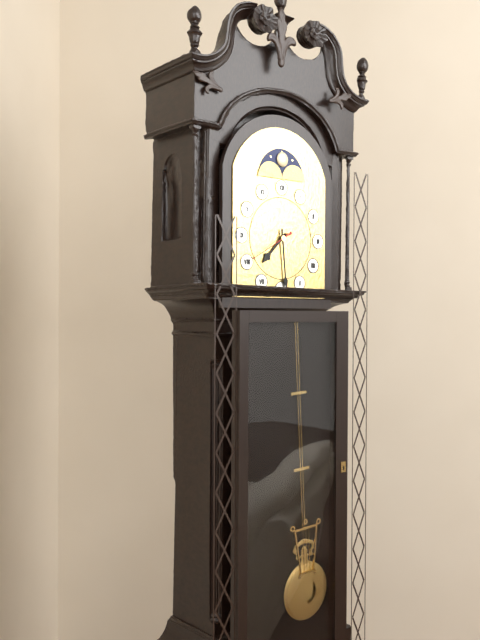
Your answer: 7 h 29 min
